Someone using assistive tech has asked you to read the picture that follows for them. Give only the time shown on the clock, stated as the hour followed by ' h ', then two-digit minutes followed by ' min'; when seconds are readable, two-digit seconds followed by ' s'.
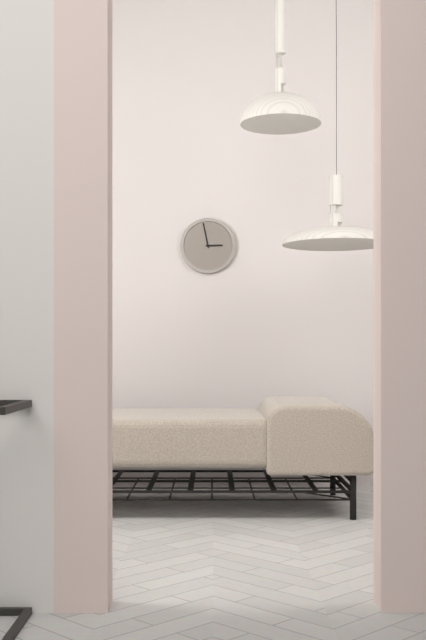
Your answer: 2 h 58 min
